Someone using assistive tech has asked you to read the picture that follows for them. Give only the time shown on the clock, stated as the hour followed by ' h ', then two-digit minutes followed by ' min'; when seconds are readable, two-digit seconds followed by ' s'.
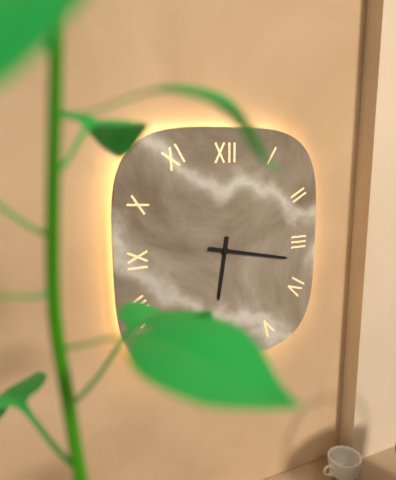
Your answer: 6 h 17 min
